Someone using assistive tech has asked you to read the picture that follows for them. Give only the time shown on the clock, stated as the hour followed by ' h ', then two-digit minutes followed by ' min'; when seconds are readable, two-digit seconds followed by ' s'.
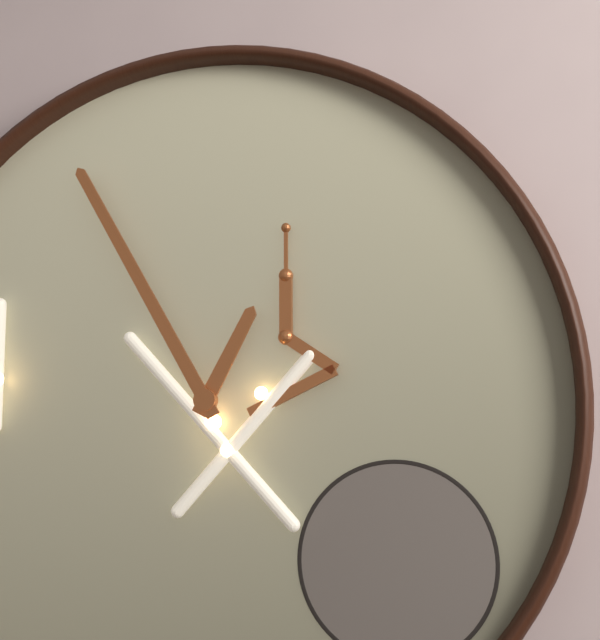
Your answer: 12 h 55 min
